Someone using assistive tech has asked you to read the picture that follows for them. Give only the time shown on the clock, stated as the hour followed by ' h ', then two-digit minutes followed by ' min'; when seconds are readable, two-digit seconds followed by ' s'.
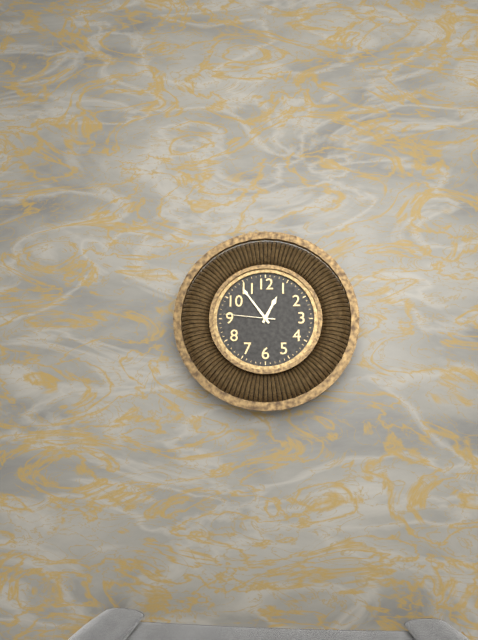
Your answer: 12 h 54 min 46 s
